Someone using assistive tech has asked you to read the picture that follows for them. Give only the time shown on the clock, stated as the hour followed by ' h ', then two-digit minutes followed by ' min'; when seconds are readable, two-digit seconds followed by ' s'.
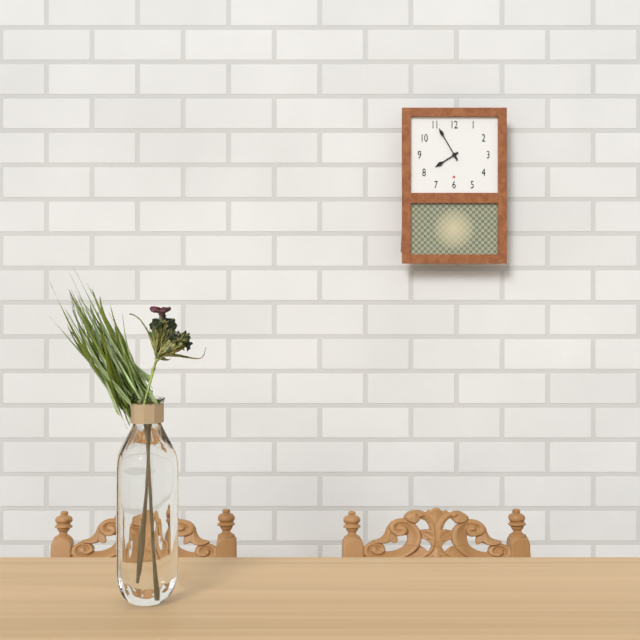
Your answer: 7 h 55 min
